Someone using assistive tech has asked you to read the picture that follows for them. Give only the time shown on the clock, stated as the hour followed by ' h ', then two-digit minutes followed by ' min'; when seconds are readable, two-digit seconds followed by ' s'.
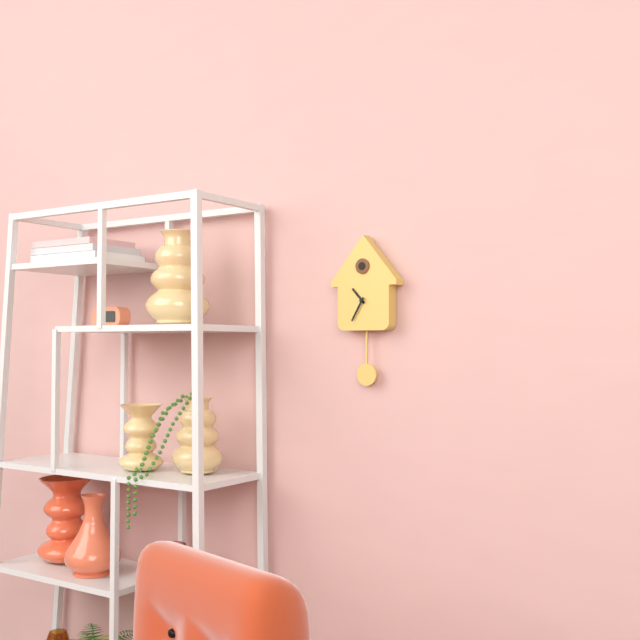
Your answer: 10 h 35 min
